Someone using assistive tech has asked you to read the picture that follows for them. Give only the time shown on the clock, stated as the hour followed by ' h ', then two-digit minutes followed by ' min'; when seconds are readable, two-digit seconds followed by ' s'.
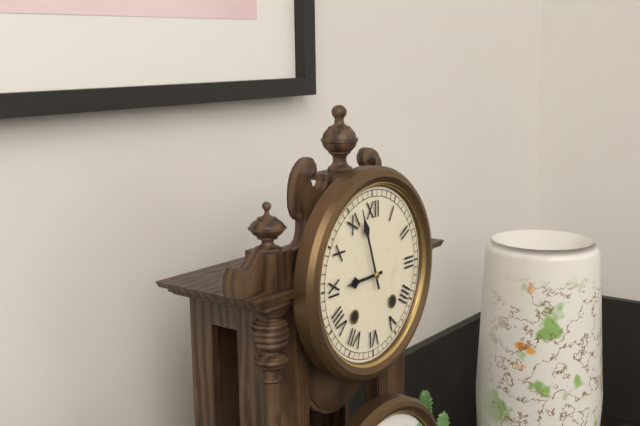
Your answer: 8 h 57 min
